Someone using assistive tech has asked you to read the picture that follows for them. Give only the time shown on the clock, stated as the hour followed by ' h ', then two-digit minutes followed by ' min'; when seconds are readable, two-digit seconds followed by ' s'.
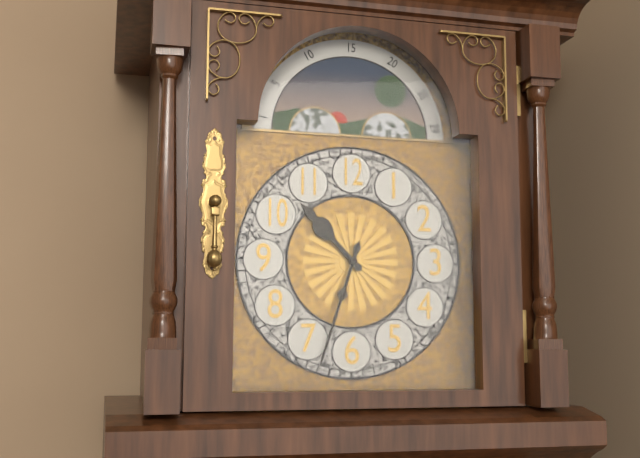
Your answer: 10 h 33 min
